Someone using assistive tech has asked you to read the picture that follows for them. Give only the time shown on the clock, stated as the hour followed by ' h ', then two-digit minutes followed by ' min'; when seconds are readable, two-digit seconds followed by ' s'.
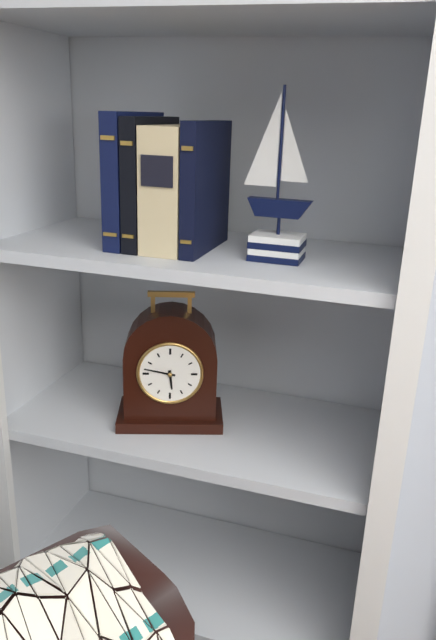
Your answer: 5 h 47 min
